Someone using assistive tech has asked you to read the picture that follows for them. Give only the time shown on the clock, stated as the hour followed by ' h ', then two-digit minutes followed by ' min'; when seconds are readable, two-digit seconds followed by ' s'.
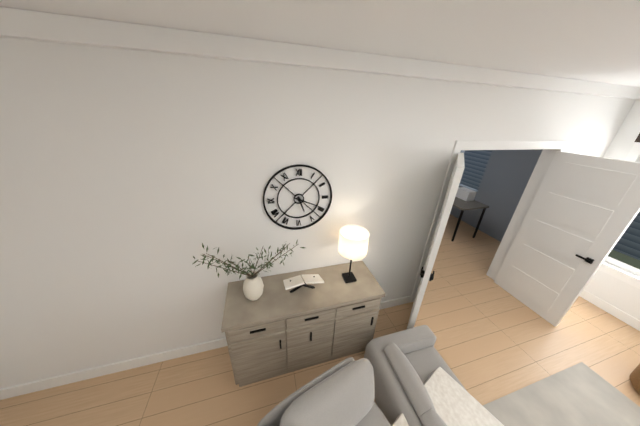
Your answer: 5 h 19 min
